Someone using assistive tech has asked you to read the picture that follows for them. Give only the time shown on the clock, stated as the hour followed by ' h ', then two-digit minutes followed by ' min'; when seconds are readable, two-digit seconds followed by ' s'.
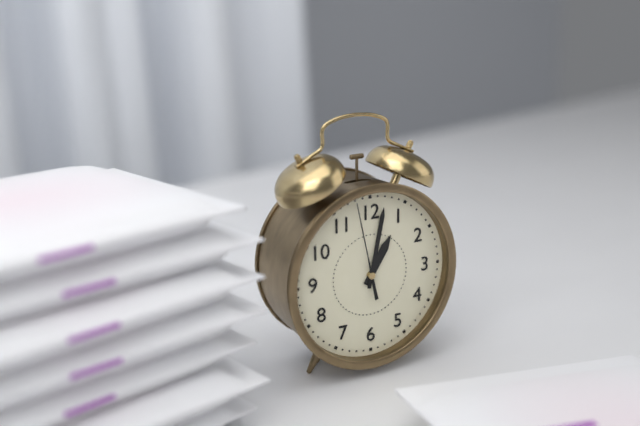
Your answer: 1 h 02 min 58 s
